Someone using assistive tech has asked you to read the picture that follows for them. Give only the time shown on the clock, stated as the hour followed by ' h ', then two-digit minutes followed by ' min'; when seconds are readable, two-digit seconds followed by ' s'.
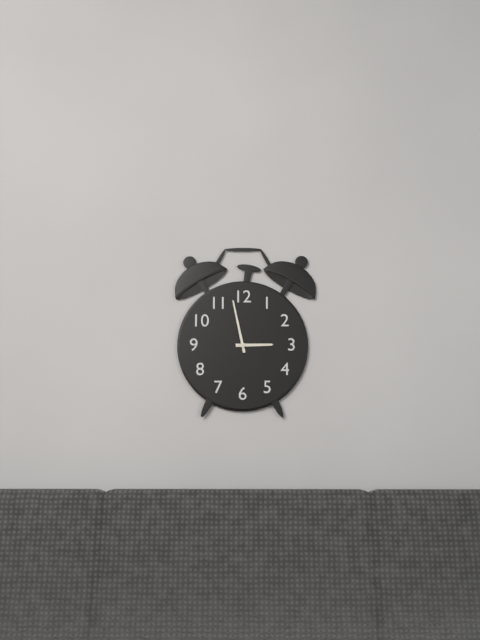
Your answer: 2 h 58 min
